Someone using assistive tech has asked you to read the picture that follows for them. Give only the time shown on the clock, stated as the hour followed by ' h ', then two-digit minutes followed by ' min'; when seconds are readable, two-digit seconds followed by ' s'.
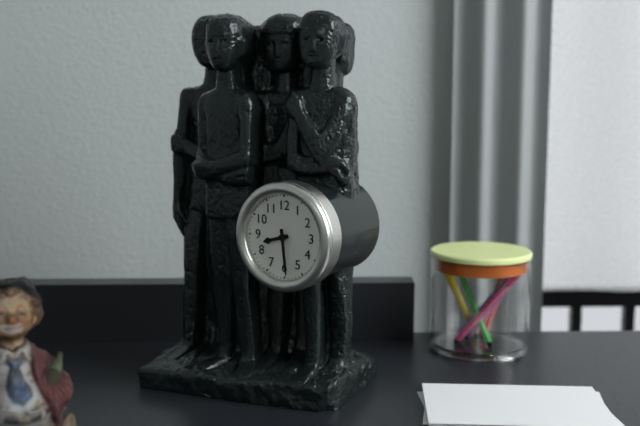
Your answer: 8 h 29 min
